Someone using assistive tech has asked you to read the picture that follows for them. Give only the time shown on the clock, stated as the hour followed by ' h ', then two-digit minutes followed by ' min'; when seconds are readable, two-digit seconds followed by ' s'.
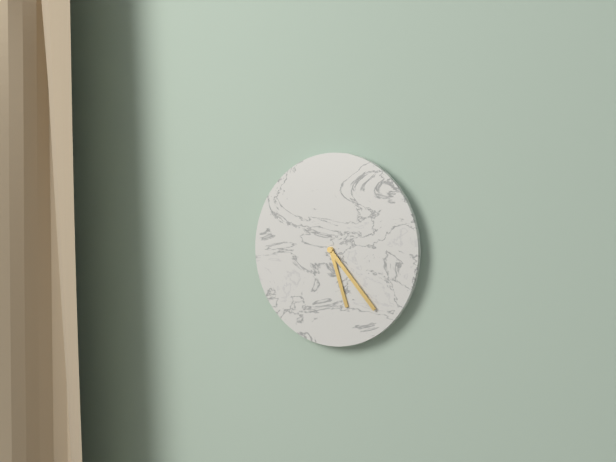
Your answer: 5 h 23 min
